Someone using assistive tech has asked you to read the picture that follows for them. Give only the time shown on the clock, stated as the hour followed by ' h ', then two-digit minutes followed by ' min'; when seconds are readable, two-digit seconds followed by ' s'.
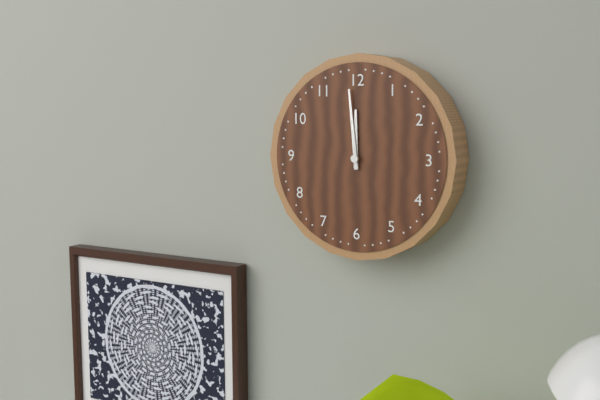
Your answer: 11 h 59 min
